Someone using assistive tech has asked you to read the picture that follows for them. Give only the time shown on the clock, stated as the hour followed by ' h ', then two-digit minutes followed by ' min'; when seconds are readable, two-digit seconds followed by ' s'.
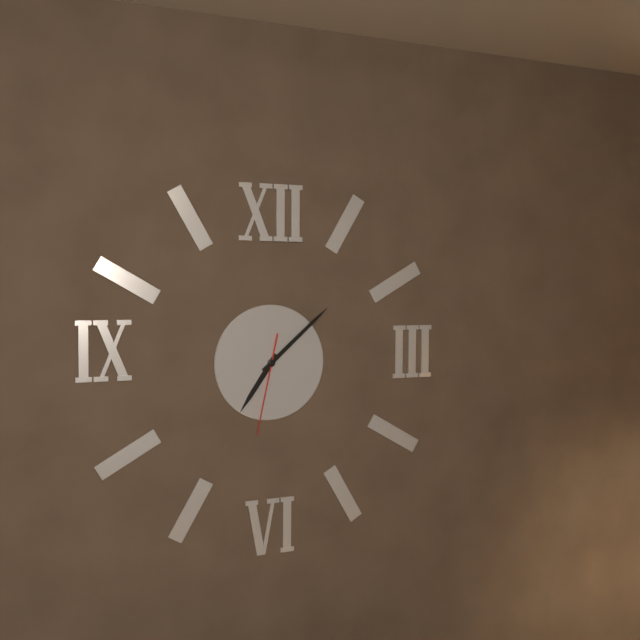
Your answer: 7 h 08 min 32 s
